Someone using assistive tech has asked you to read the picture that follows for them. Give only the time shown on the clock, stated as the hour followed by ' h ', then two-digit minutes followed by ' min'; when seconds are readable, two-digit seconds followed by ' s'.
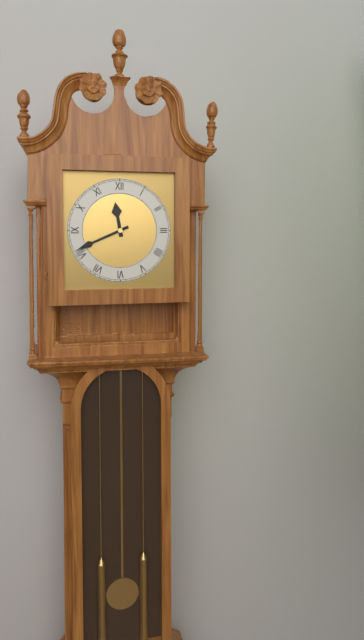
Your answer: 11 h 41 min
